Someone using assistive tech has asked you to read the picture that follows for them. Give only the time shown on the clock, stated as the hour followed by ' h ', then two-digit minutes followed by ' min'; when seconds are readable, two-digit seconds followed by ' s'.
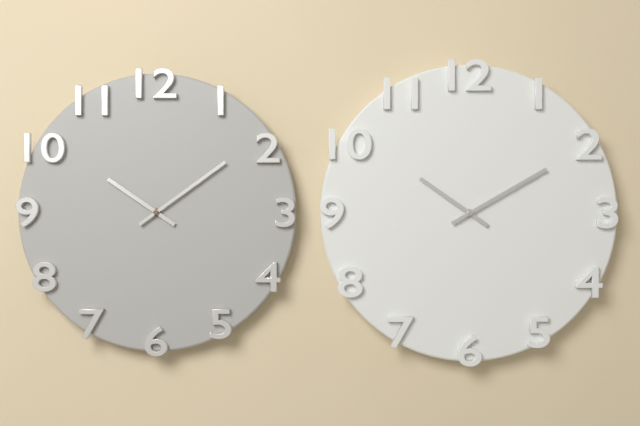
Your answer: 10 h 09 min
